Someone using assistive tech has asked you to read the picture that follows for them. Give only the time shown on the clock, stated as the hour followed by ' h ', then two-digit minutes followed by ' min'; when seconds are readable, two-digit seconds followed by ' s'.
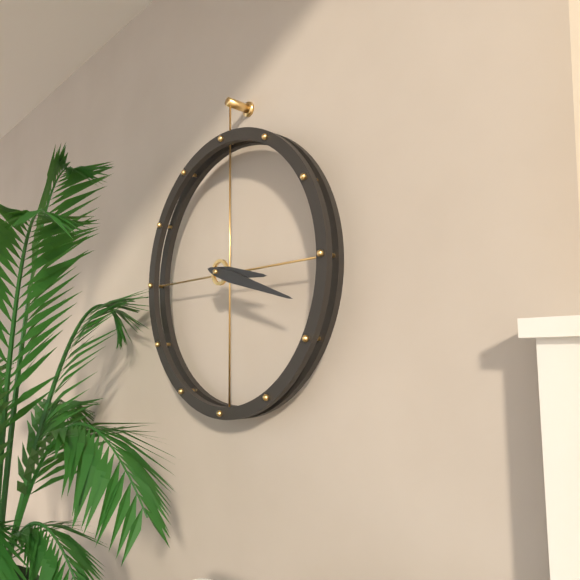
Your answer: 3 h 18 min
